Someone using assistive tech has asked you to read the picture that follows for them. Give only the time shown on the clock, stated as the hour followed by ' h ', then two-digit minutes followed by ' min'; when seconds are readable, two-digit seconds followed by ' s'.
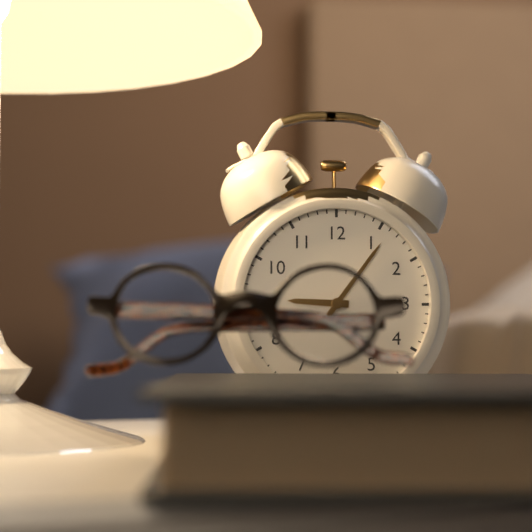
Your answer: 9 h 06 min
